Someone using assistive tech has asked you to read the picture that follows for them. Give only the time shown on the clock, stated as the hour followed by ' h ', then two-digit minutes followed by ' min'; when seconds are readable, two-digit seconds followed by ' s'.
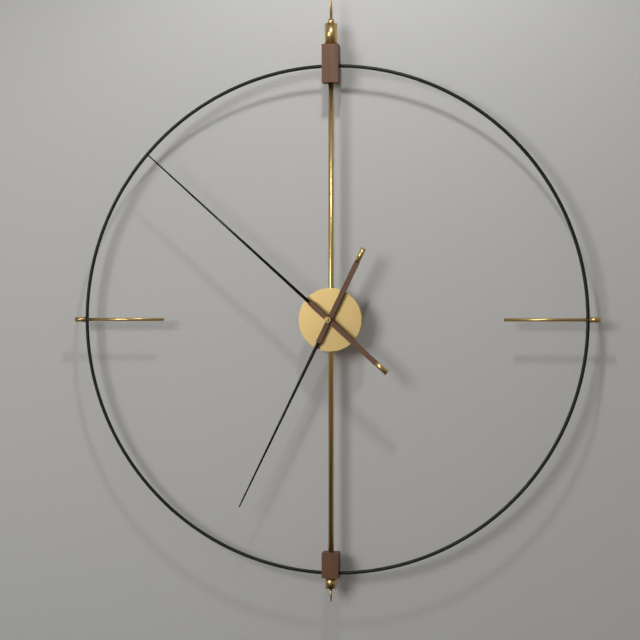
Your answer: 6 h 52 min
